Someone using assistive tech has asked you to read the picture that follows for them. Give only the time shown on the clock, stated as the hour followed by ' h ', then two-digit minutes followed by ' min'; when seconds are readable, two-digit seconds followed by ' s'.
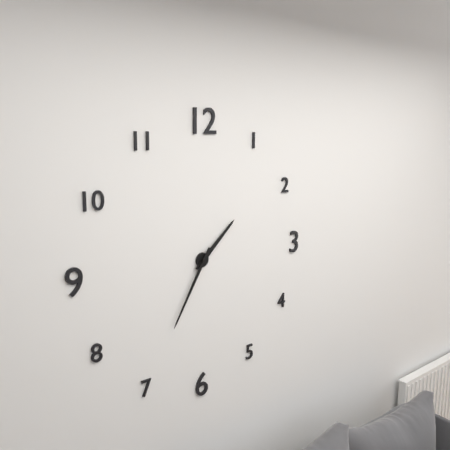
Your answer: 1 h 35 min
